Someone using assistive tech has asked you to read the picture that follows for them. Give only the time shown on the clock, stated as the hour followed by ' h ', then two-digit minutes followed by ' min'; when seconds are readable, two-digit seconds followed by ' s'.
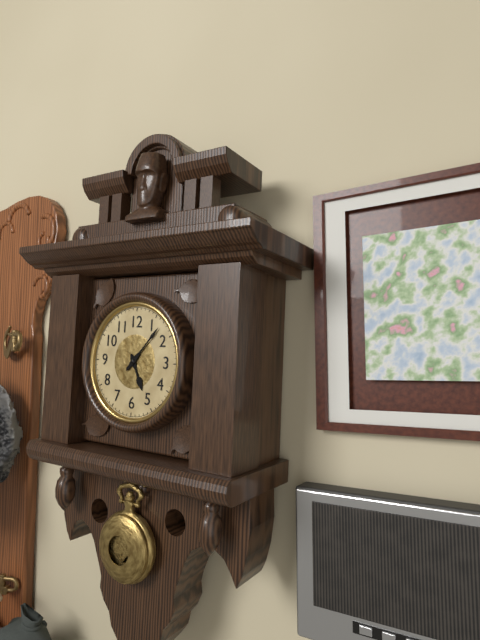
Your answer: 5 h 07 min
